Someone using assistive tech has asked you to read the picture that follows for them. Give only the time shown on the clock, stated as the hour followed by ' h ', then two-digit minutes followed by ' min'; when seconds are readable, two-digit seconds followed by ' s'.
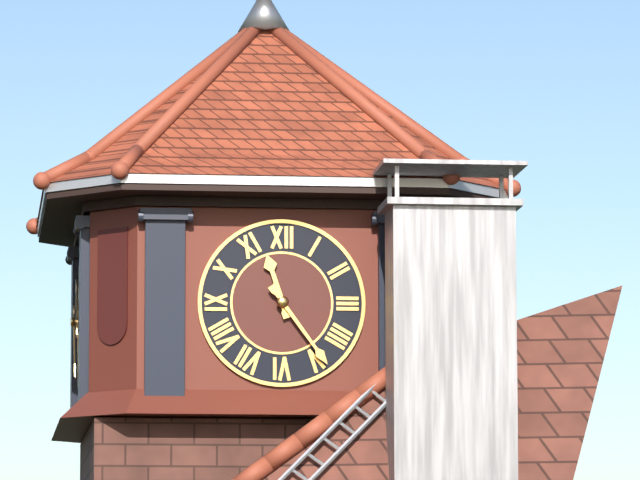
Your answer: 11 h 24 min
